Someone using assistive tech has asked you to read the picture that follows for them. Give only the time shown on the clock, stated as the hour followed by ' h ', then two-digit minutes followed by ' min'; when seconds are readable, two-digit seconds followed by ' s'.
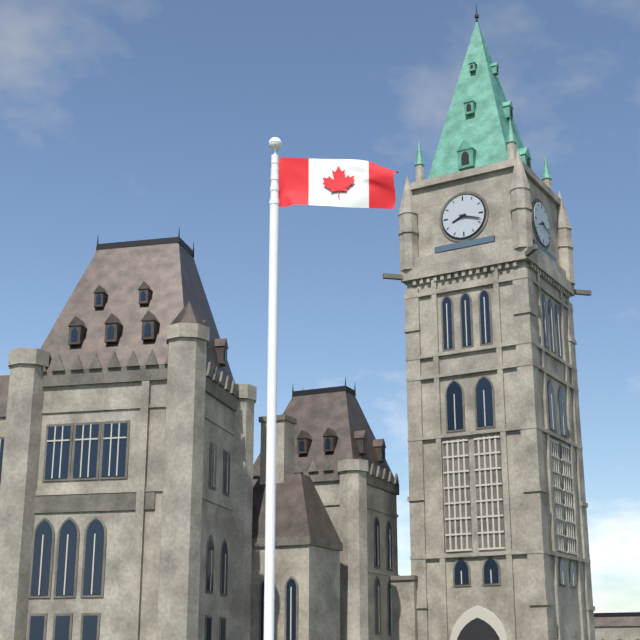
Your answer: 8 h 18 min
